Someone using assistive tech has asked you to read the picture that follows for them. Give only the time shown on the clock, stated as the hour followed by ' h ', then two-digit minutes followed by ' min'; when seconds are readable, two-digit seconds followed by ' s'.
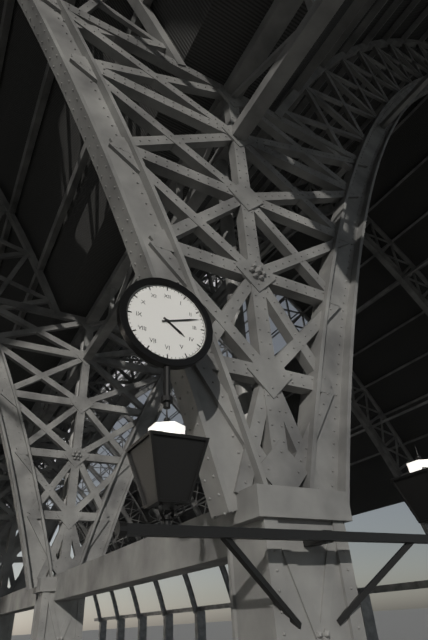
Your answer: 4 h 12 min
